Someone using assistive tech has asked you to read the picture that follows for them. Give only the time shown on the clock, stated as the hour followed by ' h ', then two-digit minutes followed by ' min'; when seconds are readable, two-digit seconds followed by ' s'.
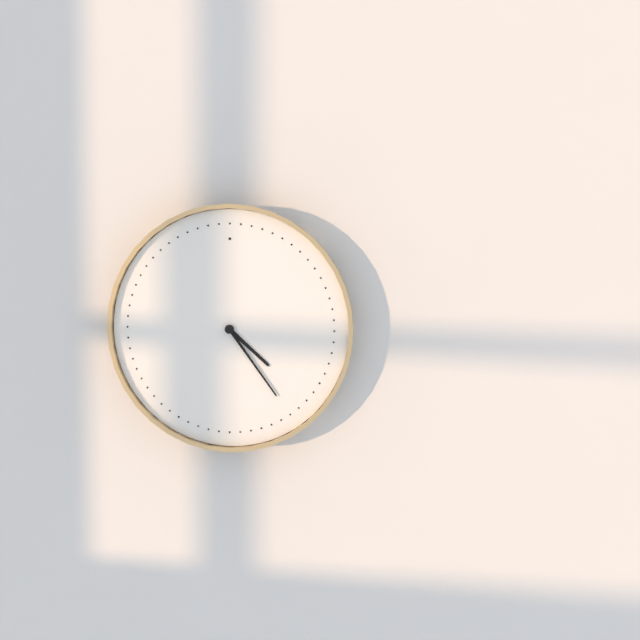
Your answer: 4 h 24 min
